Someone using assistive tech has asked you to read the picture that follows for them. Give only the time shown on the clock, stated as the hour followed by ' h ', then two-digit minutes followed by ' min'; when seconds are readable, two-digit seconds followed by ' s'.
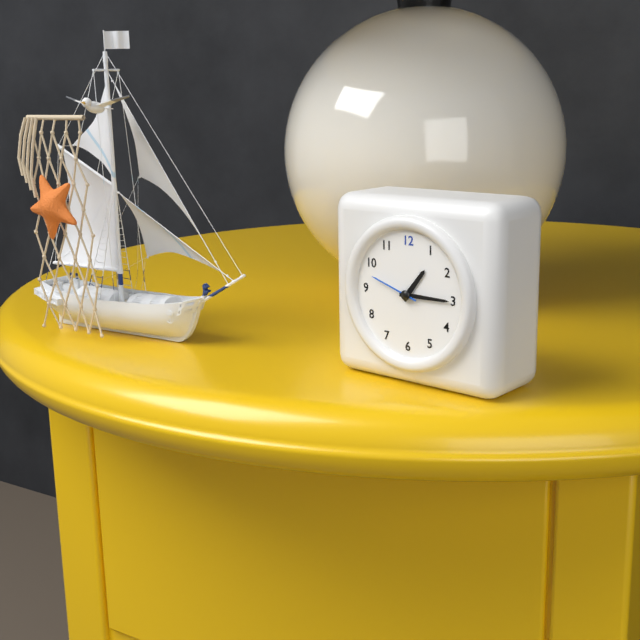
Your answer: 1 h 15 min
